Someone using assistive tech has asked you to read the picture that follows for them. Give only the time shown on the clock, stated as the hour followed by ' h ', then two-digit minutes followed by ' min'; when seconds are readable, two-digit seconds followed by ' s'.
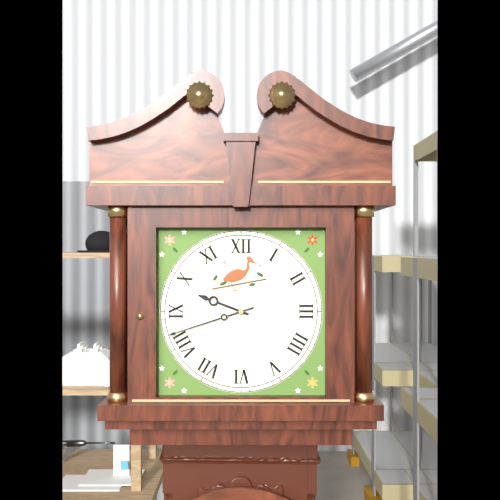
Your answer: 9 h 42 min
